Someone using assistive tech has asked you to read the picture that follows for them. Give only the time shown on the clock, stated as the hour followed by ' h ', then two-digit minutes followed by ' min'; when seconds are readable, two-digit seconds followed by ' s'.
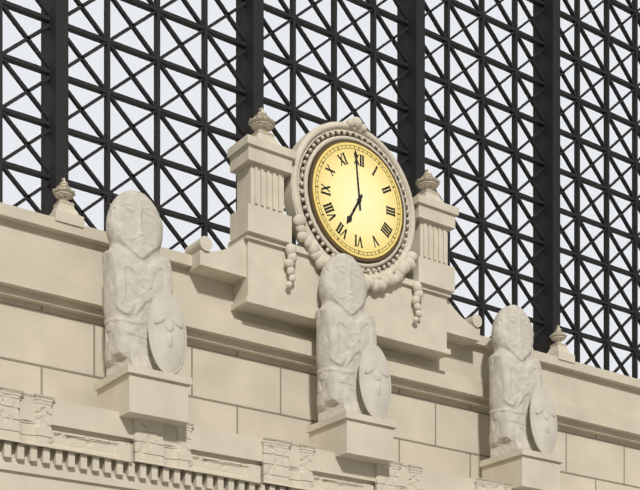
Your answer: 6 h 59 min
